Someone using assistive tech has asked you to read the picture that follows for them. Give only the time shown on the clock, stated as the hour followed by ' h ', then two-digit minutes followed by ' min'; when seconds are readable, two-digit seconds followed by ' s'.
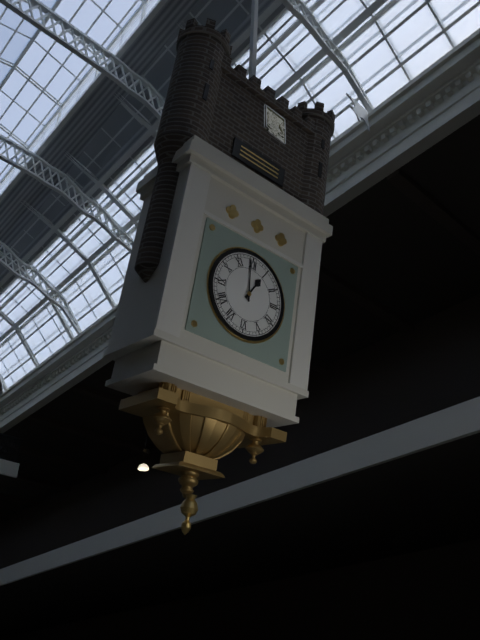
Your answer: 12 h 59 min
